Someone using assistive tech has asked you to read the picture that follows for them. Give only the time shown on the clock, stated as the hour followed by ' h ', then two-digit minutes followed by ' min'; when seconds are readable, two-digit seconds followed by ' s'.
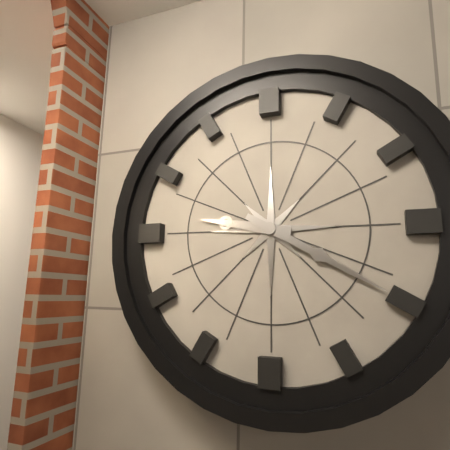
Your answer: 9 h 20 min
